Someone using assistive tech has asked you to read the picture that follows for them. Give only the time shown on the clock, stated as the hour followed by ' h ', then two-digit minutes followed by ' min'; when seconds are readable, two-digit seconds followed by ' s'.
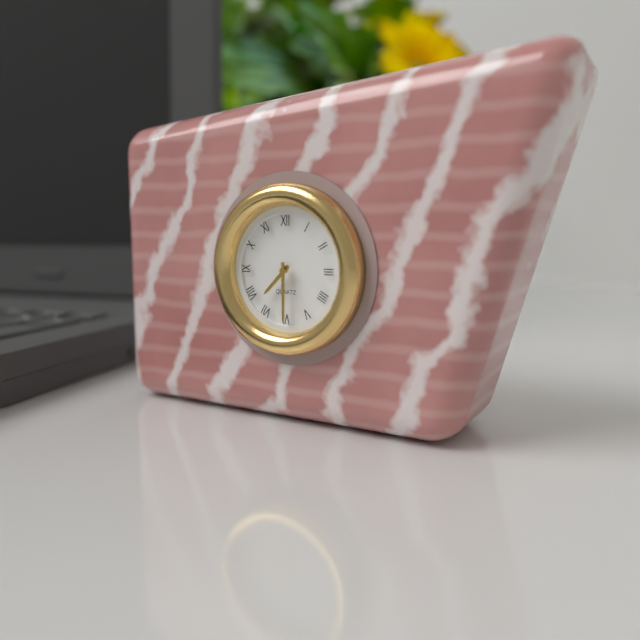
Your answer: 7 h 30 min
